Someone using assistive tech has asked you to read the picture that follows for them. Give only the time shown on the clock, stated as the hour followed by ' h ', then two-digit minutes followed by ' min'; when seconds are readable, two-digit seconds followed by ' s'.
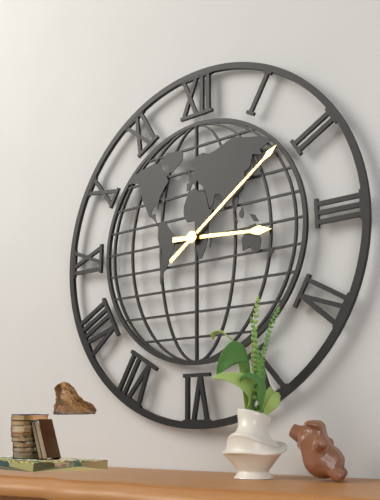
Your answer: 3 h 09 min
